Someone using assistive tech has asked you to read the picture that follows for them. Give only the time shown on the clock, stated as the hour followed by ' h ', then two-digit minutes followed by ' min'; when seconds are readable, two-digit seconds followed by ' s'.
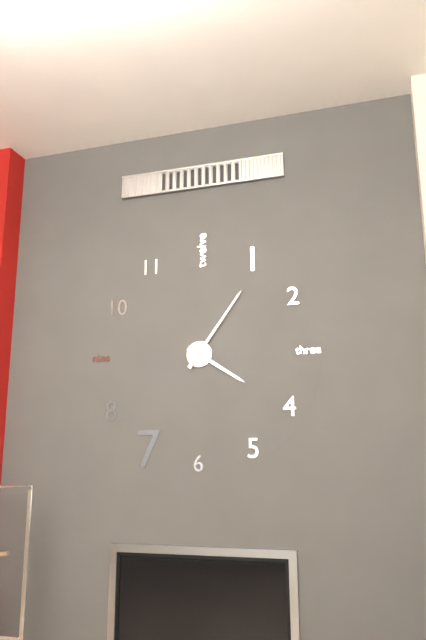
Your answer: 4 h 06 min
